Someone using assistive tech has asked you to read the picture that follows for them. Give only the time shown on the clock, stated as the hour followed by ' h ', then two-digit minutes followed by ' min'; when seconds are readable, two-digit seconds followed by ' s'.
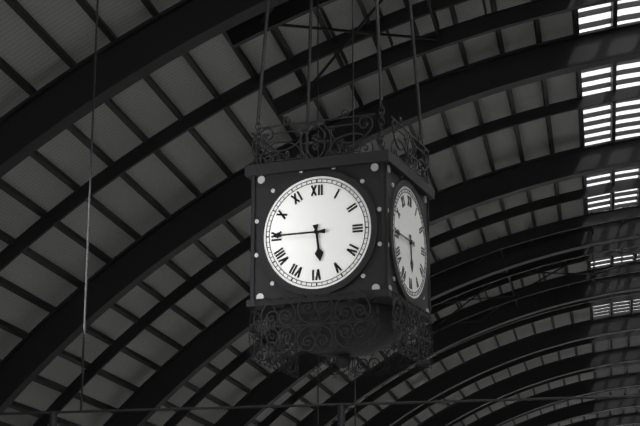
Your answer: 5 h 45 min
